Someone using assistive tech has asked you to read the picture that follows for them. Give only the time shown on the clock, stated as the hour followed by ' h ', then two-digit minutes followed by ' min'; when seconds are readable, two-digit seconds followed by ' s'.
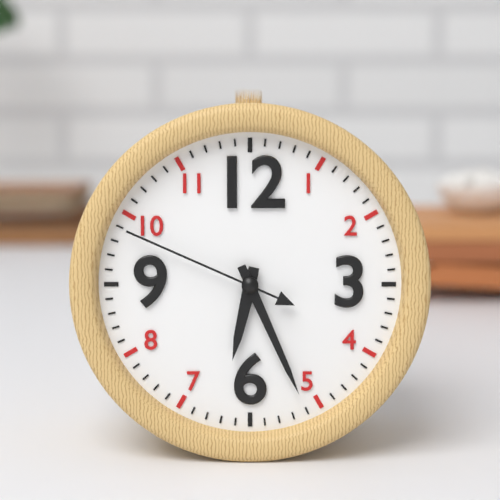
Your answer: 6 h 26 min 49 s
